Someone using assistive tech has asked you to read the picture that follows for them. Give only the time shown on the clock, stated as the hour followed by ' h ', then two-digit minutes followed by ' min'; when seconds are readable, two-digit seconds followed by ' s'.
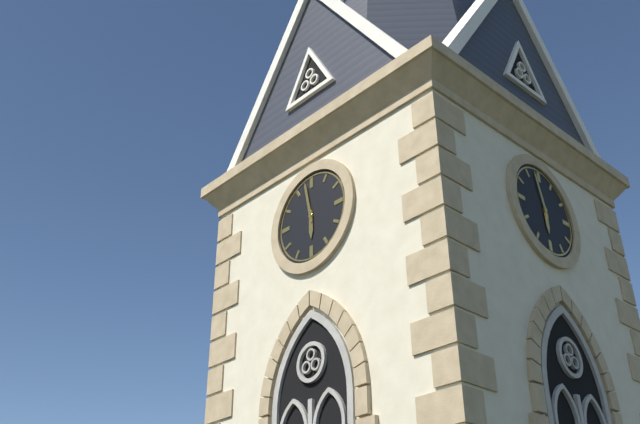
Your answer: 5 h 58 min
